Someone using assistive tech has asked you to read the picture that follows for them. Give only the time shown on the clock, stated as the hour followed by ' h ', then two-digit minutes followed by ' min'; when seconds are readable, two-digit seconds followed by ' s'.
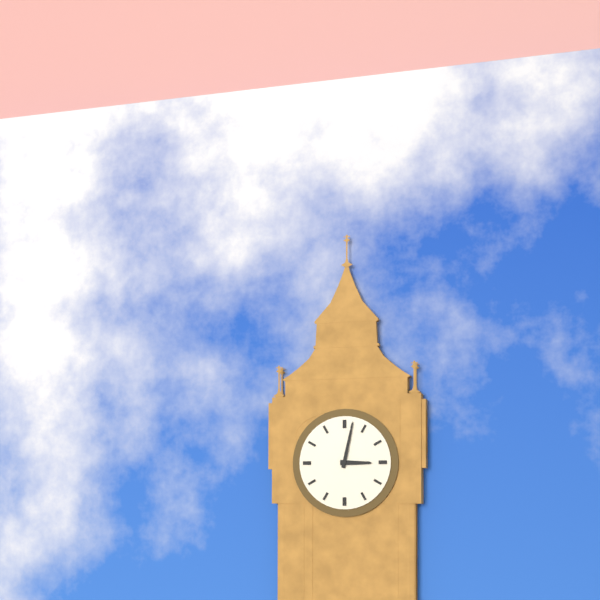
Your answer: 3 h 02 min
